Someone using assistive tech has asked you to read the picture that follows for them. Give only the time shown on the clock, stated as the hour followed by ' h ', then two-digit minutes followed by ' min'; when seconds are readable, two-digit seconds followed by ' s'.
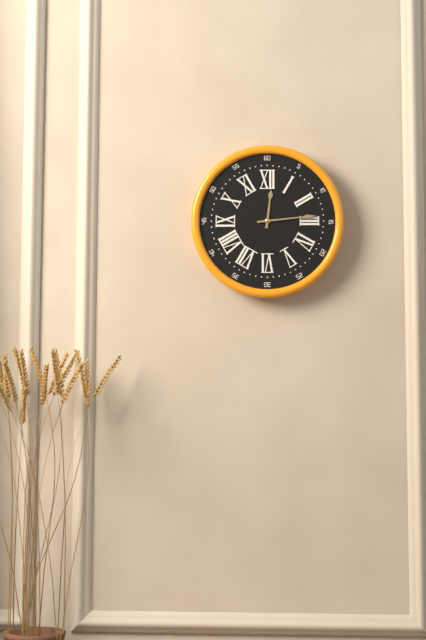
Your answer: 12 h 14 min
